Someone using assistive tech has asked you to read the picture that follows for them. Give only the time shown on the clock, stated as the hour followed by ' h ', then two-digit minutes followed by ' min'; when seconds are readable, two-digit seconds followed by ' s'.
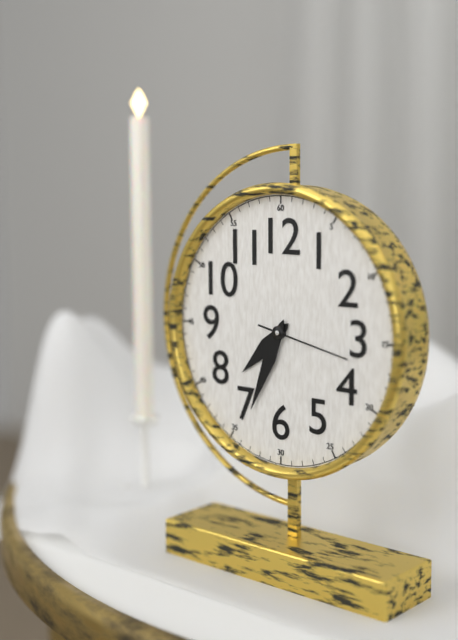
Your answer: 7 h 34 min 17 s
